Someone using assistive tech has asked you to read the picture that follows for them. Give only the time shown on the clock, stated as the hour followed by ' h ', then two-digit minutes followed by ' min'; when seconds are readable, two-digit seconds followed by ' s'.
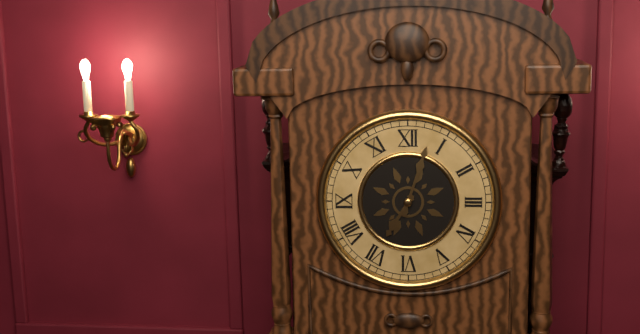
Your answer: 7 h 03 min
